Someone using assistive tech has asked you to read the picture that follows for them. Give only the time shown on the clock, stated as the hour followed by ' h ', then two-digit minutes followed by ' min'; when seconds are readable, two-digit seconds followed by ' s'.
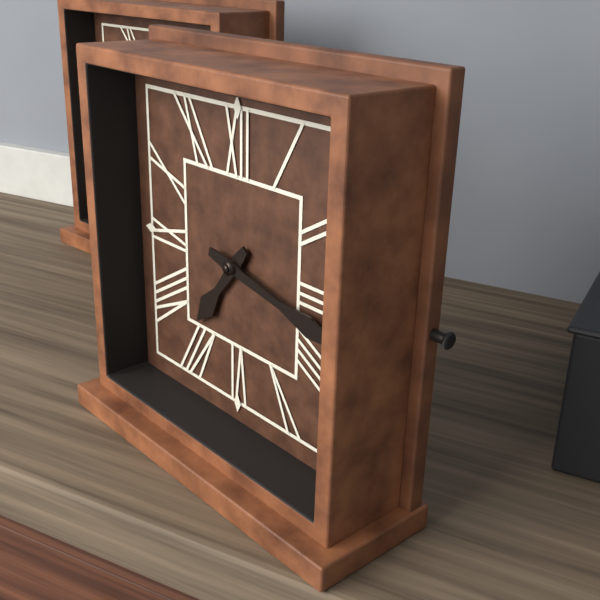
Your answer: 7 h 17 min
